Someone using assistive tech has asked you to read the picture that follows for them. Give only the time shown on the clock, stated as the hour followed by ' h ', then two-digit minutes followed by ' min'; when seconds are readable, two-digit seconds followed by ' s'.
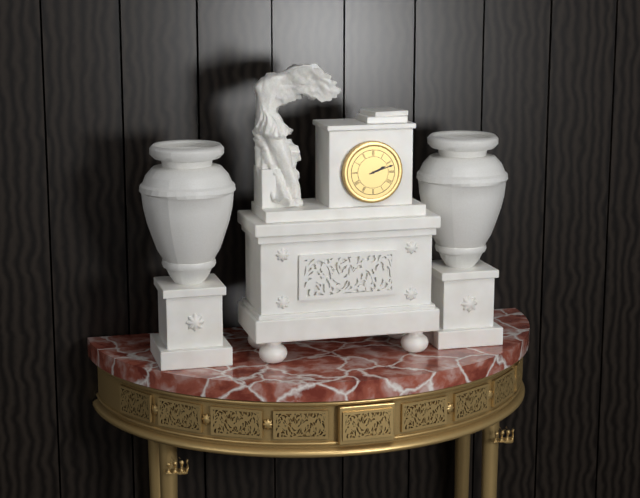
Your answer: 2 h 12 min
